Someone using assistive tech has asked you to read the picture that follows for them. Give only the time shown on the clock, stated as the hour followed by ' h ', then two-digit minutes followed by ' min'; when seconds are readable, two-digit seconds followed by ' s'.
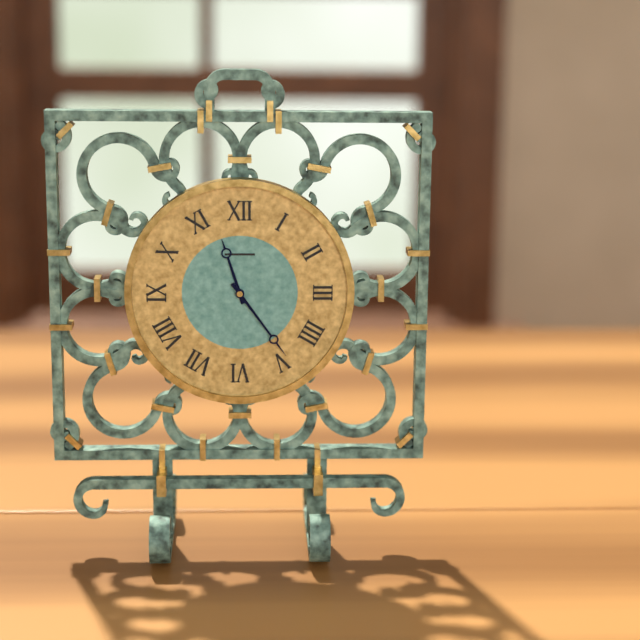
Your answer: 11 h 24 min
